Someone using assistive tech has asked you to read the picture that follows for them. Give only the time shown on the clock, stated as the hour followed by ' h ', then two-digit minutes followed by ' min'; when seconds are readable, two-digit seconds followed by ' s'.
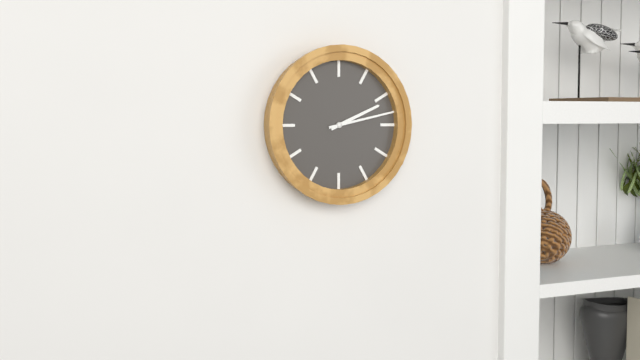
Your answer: 2 h 13 min
